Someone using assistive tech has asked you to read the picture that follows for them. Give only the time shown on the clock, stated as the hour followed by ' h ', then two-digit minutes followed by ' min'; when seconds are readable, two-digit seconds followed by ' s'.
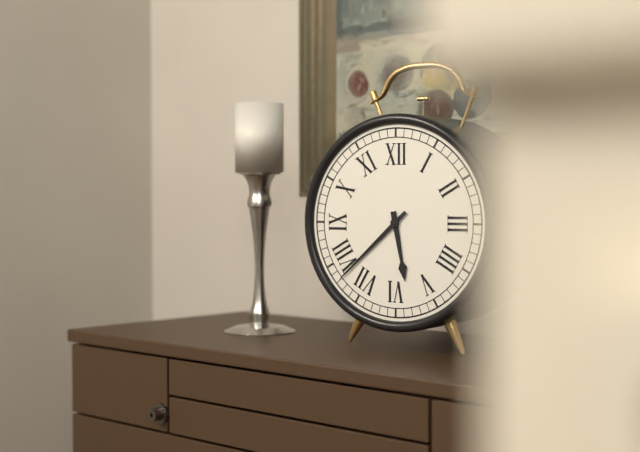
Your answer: 5 h 38 min
